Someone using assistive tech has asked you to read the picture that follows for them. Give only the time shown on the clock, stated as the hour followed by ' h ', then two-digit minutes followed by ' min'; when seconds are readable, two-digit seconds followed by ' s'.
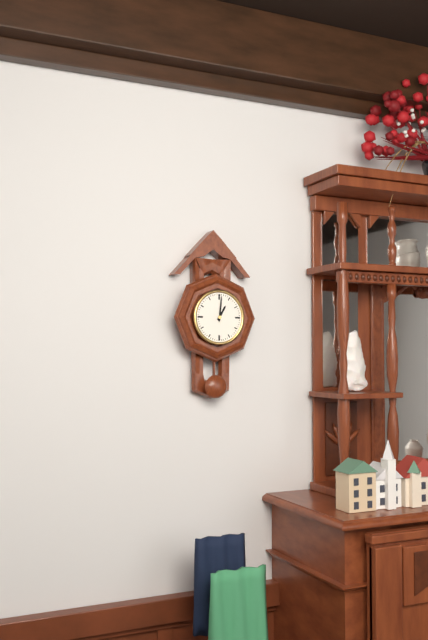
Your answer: 1 h 01 min
